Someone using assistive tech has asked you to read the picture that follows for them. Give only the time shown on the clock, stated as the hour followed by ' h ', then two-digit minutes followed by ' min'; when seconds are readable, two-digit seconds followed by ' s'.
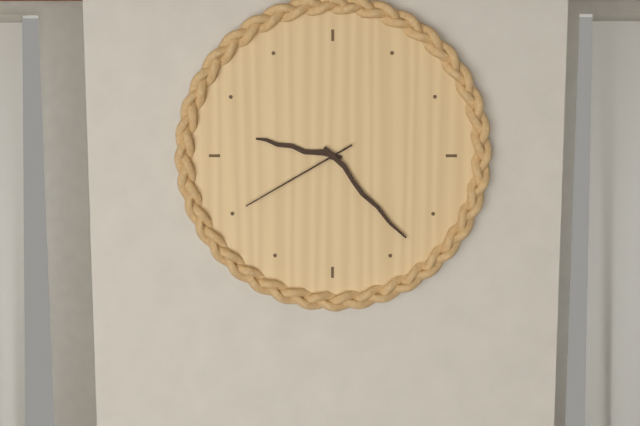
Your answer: 9 h 23 min 40 s
